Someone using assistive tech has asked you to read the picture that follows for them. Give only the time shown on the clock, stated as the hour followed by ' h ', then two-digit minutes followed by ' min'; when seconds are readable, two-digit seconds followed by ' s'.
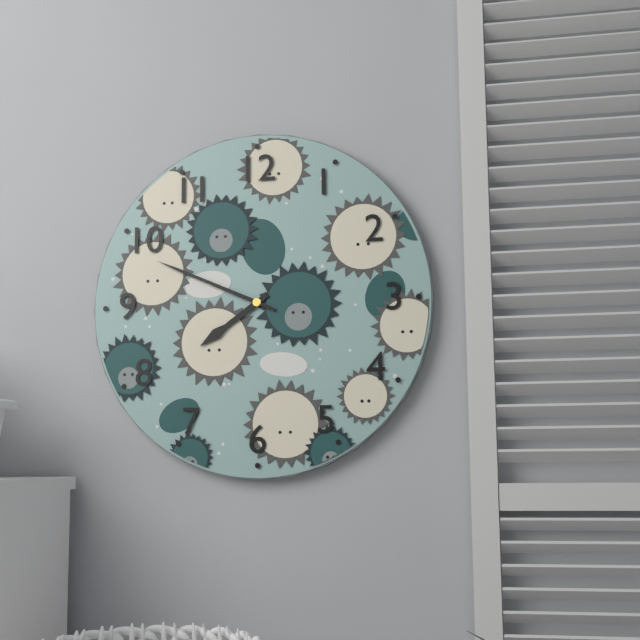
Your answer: 7 h 49 min
